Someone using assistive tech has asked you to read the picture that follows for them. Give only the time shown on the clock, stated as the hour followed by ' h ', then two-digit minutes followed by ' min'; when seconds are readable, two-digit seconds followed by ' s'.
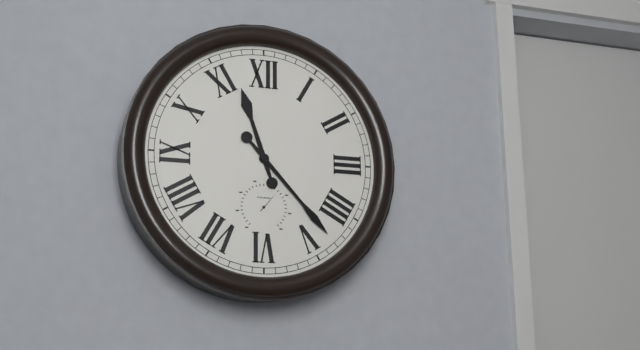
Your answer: 11 h 23 min
